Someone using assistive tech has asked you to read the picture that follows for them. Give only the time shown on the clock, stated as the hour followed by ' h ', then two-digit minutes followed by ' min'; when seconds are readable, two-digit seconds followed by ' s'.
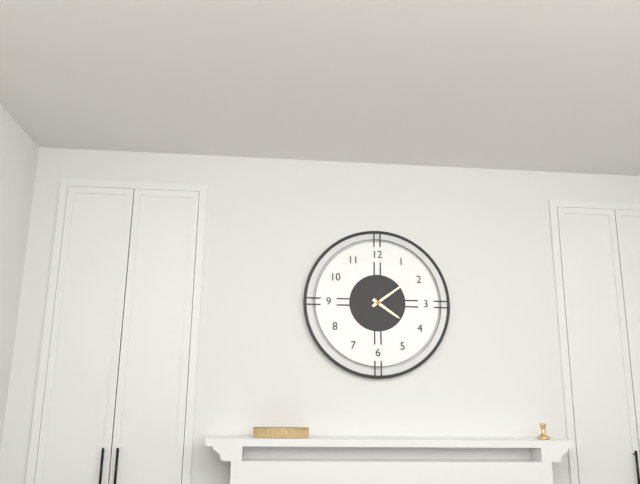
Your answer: 4 h 09 min
